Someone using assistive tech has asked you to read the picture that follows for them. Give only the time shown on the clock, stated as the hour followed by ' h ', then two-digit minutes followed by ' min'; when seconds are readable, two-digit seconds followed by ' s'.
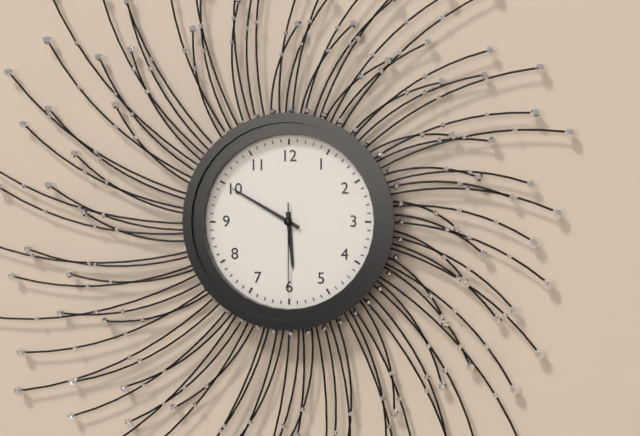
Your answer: 5 h 50 min 30 s
